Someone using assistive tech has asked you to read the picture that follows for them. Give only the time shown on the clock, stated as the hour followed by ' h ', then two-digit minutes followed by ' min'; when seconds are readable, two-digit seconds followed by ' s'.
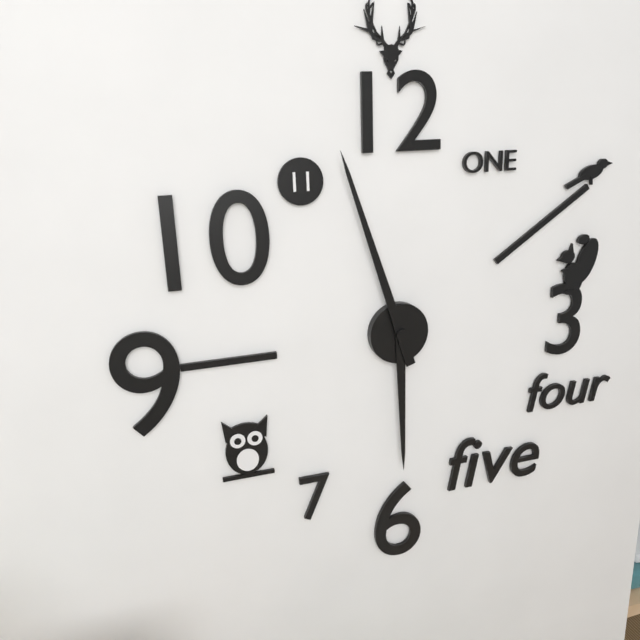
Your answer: 5 h 57 min
